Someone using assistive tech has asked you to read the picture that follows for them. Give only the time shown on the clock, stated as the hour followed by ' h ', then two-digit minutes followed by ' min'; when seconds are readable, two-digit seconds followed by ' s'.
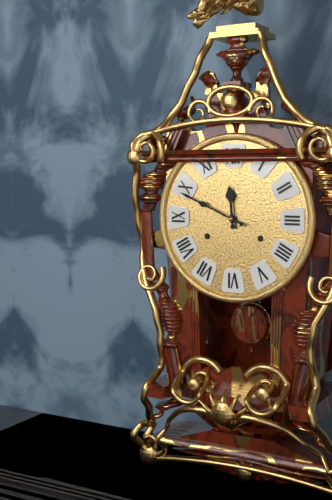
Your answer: 11 h 49 min
